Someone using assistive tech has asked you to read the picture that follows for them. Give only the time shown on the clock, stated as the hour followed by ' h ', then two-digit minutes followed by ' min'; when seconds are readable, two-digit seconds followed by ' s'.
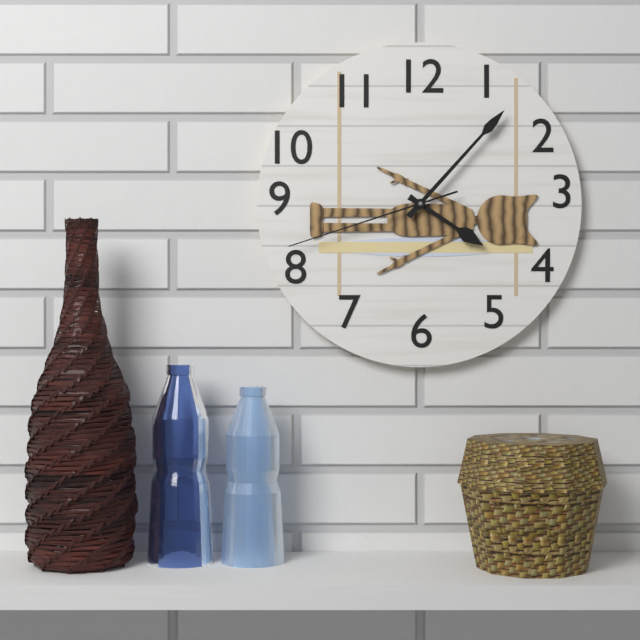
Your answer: 4 h 07 min 42 s
